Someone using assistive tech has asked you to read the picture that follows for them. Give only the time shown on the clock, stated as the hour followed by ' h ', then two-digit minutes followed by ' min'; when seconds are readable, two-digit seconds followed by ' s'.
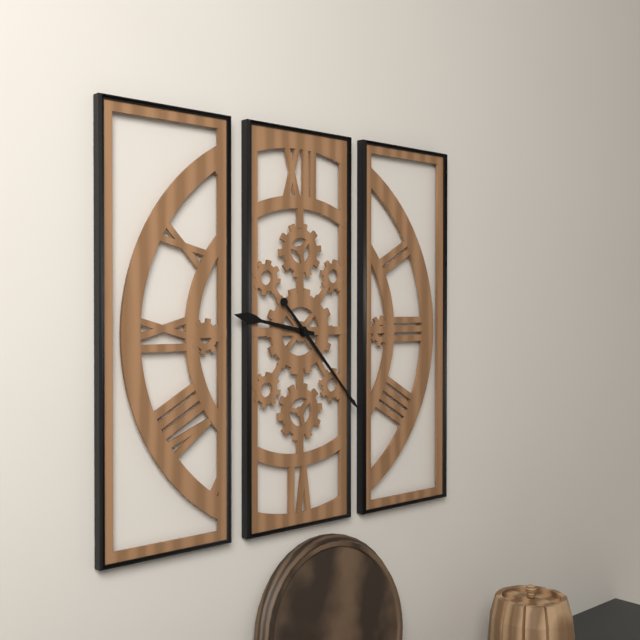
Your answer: 9 h 23 min
